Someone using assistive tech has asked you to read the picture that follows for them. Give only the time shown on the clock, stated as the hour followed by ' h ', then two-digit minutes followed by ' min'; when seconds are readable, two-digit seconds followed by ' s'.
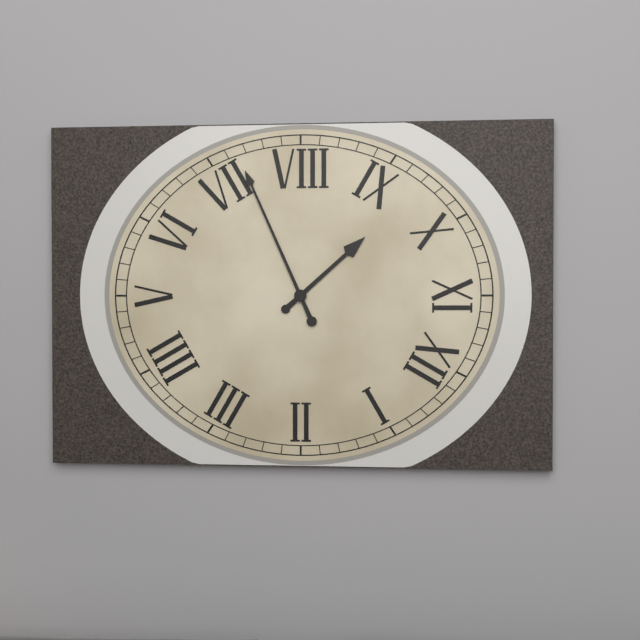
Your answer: 9 h 36 min
